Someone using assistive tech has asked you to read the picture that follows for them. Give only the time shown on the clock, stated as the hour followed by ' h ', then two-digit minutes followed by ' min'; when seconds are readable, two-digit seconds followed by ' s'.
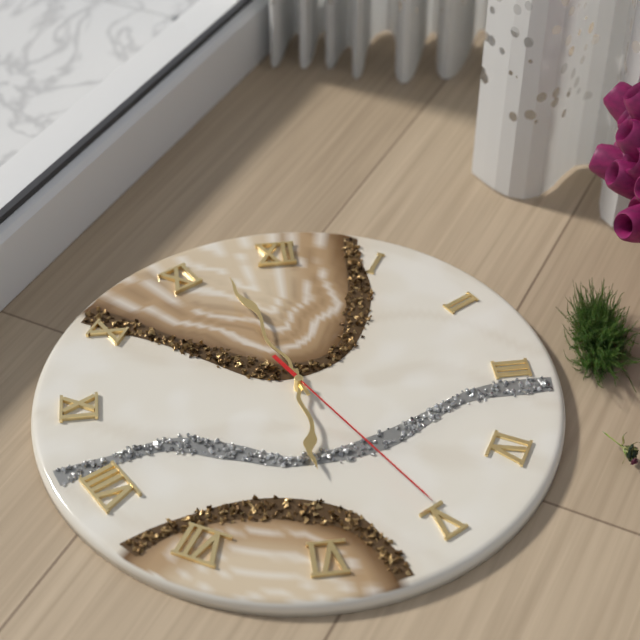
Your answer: 5 h 57 min 25 s
